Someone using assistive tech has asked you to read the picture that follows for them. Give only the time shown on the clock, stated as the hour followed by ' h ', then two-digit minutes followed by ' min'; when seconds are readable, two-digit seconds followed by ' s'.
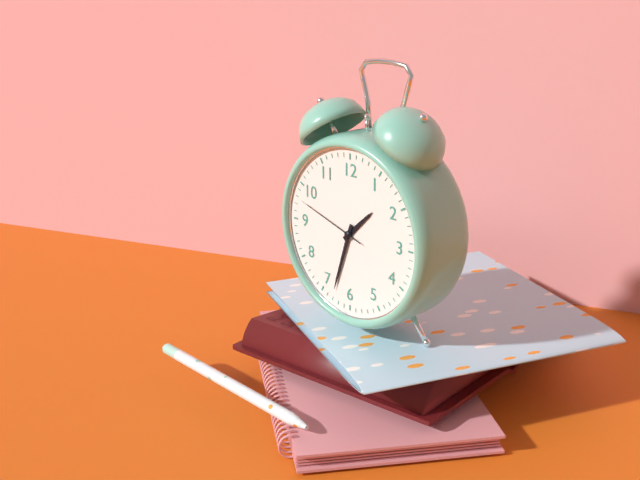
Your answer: 1 h 33 min 48 s
